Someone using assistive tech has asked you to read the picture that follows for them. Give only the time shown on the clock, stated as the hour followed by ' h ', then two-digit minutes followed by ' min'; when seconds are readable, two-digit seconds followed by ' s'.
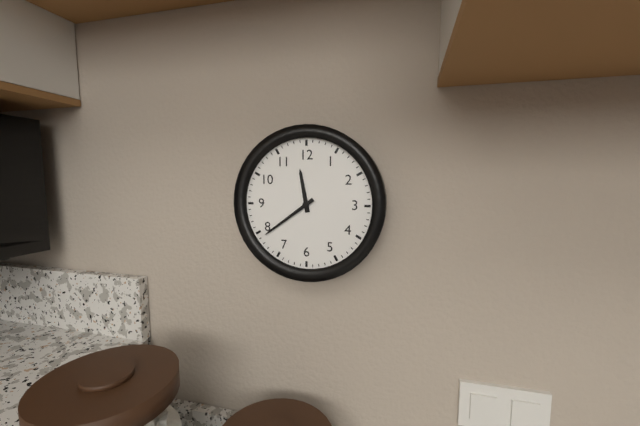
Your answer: 11 h 39 min
